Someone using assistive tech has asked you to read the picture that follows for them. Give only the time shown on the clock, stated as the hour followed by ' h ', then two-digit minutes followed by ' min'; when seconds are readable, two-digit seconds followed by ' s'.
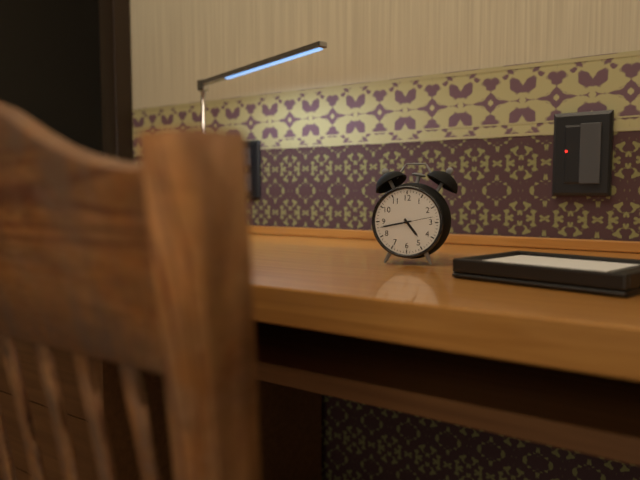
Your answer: 4 h 43 min
